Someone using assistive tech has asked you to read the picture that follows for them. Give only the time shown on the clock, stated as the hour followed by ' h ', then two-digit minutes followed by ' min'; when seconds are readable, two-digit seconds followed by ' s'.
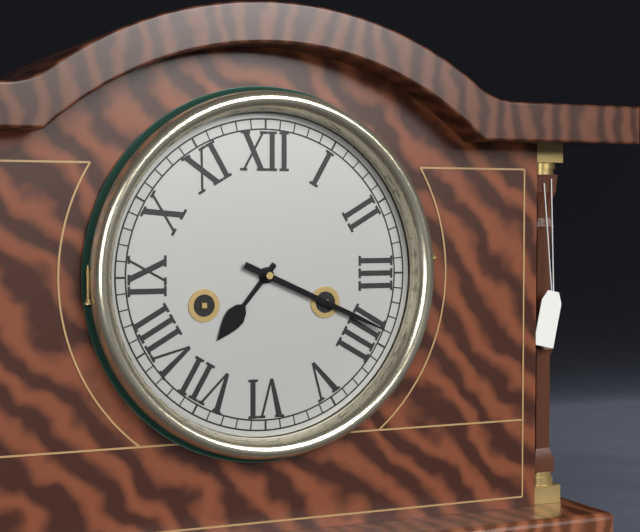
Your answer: 7 h 19 min
